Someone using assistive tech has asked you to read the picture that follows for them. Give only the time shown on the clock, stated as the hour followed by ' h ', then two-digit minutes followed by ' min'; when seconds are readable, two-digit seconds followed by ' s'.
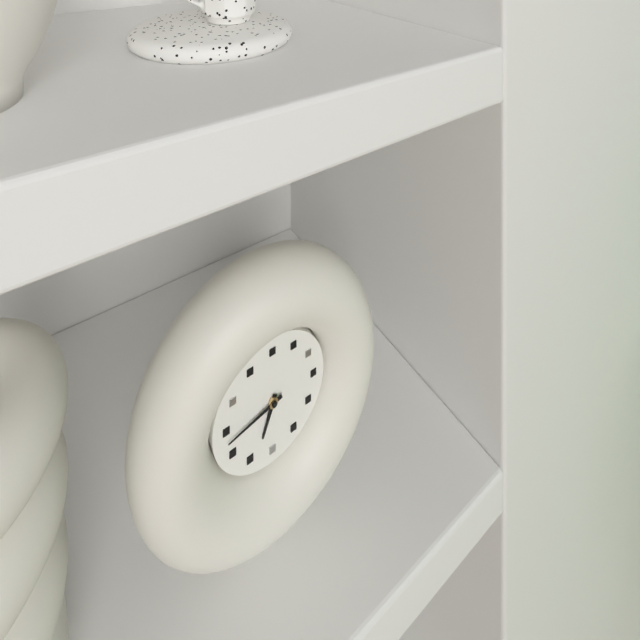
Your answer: 6 h 43 min
